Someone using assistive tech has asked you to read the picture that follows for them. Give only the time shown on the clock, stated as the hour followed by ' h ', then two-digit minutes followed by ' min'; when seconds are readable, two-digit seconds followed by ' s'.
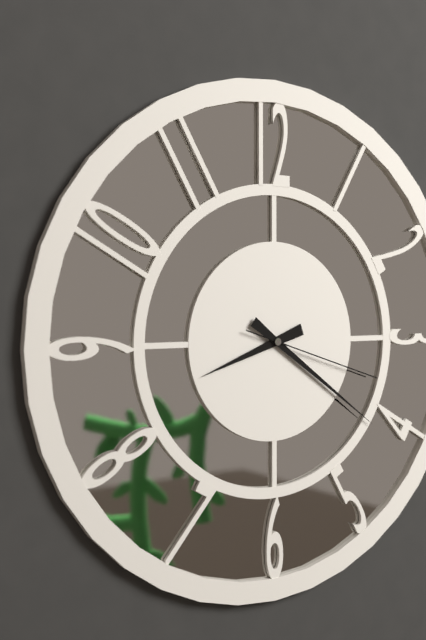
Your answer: 8 h 21 min 18 s
